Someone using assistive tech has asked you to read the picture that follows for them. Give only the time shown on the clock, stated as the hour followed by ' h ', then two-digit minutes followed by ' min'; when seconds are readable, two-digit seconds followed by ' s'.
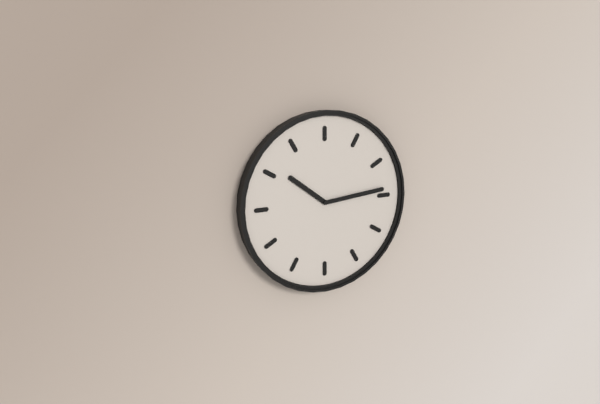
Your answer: 10 h 14 min
